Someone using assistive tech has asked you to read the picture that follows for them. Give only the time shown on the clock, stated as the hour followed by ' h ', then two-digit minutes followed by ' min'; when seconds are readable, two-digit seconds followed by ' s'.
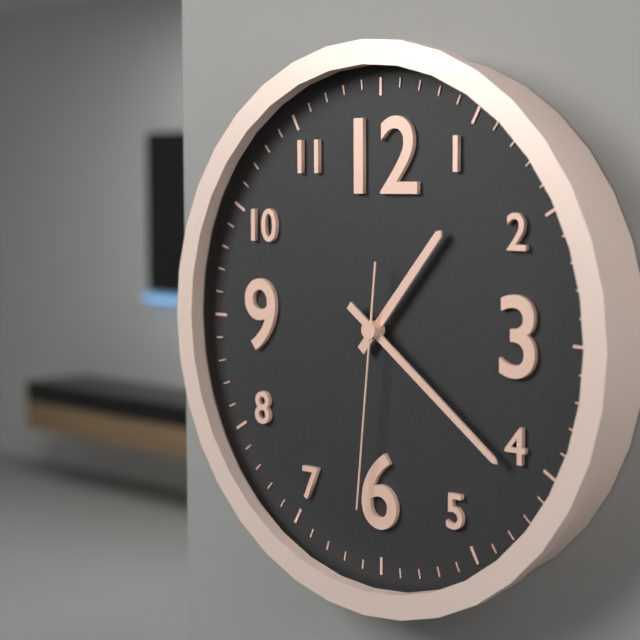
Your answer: 1 h 21 min 31 s
